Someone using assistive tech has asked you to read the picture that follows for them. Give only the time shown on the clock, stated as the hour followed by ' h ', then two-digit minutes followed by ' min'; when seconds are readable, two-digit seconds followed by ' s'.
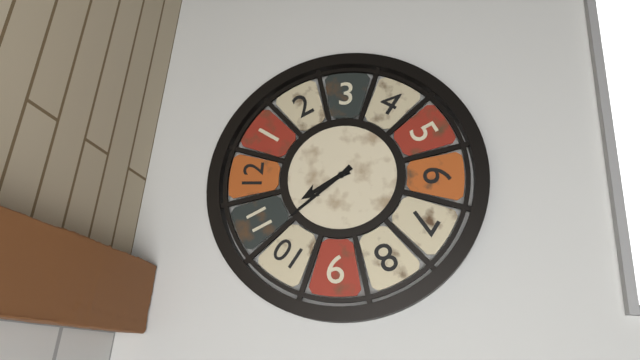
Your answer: 10 h 53 min
